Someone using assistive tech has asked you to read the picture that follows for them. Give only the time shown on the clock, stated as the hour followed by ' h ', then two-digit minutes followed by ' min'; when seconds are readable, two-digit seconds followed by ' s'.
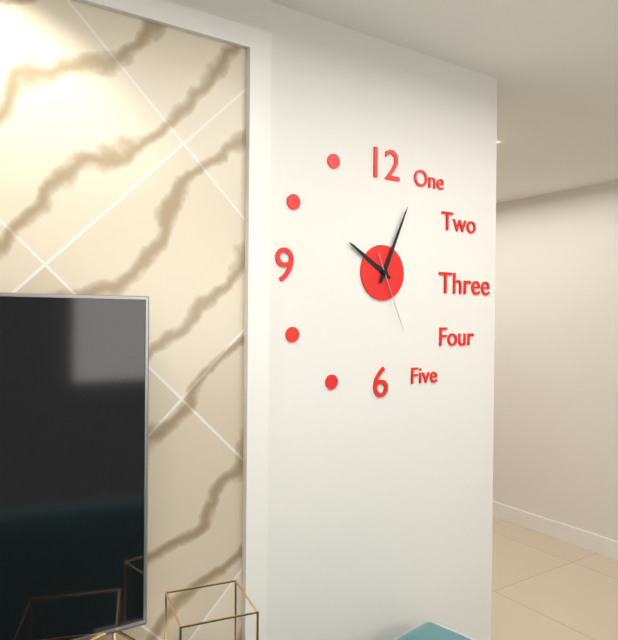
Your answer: 10 h 04 min 26 s
